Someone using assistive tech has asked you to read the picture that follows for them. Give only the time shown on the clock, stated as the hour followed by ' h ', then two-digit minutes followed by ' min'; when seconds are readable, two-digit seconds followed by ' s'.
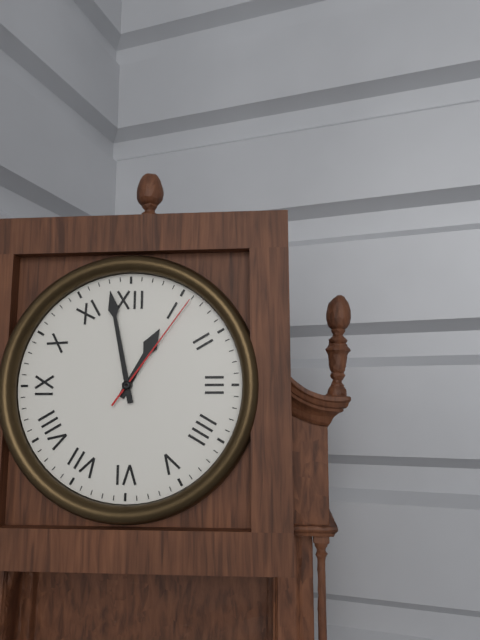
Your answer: 12 h 58 min 06 s
